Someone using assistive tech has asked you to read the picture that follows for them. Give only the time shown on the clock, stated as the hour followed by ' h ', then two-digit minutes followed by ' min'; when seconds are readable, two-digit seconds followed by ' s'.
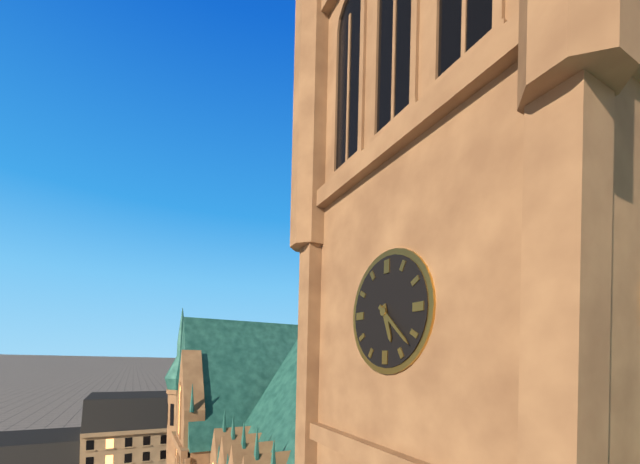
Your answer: 5 h 22 min
